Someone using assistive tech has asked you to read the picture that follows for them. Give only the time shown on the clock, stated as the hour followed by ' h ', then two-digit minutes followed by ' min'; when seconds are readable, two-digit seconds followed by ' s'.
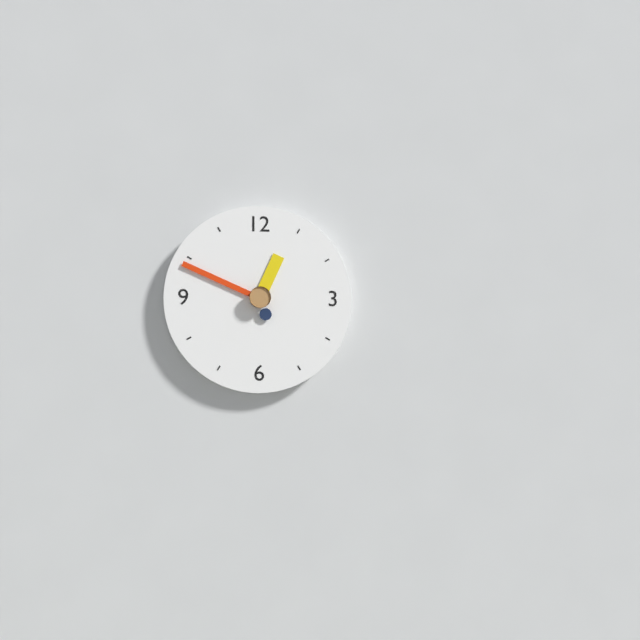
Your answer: 12 h 49 min
